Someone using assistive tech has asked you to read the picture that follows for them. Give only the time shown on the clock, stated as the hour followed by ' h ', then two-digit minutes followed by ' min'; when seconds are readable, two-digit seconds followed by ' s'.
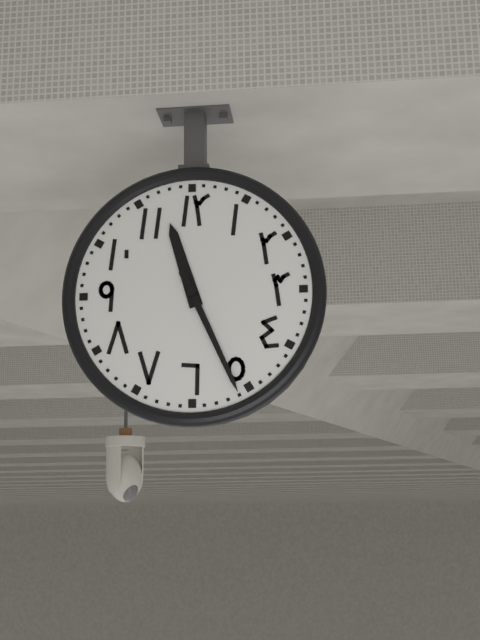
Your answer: 11 h 26 min
